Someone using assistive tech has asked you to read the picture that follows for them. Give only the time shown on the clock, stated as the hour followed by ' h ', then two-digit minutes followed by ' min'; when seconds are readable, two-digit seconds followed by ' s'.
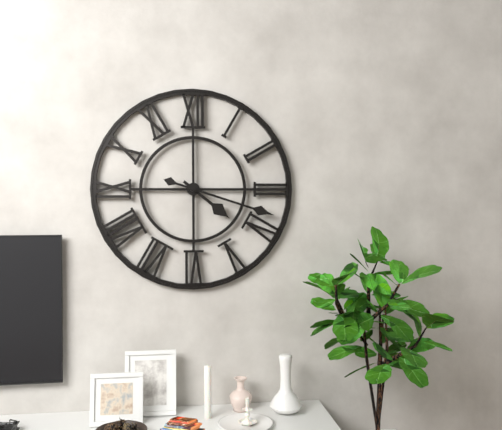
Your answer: 4 h 18 min
